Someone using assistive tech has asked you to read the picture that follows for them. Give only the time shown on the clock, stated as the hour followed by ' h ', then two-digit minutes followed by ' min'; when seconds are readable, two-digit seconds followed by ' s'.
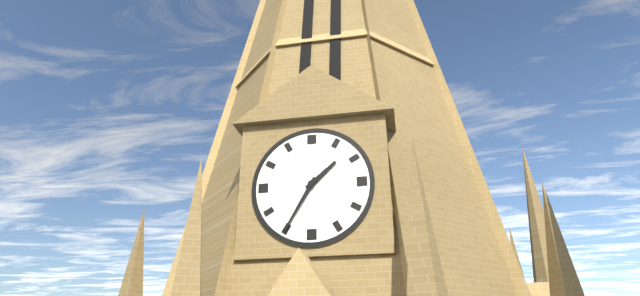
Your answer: 1 h 35 min
